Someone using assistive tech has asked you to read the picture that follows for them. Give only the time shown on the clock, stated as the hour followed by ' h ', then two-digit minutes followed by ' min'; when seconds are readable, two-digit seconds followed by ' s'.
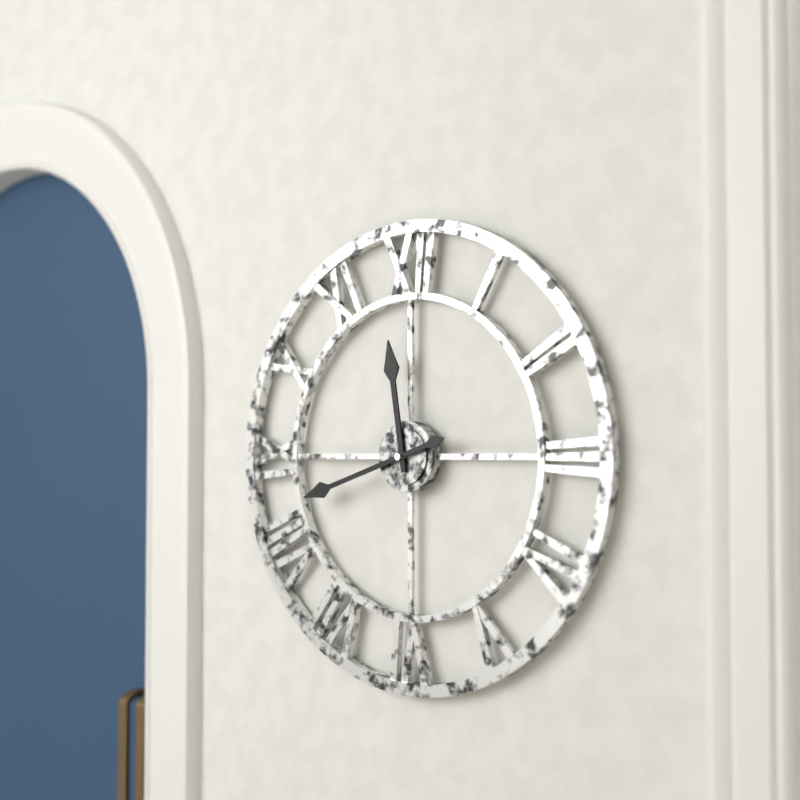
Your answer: 11 h 42 min
